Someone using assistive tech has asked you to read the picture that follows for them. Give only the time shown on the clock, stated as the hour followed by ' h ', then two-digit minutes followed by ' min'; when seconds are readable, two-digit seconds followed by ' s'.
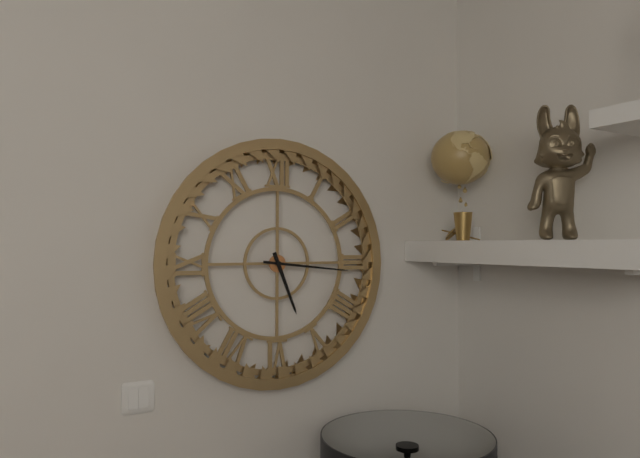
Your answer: 5 h 16 min
